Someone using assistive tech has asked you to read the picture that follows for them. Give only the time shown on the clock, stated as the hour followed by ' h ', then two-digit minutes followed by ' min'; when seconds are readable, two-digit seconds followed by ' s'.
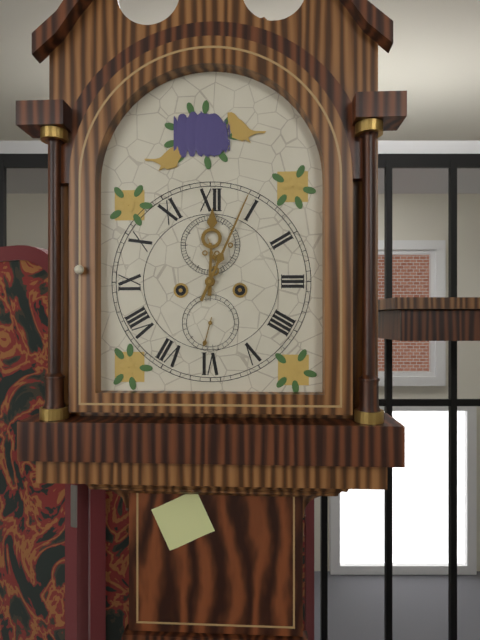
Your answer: 12 h 04 min
